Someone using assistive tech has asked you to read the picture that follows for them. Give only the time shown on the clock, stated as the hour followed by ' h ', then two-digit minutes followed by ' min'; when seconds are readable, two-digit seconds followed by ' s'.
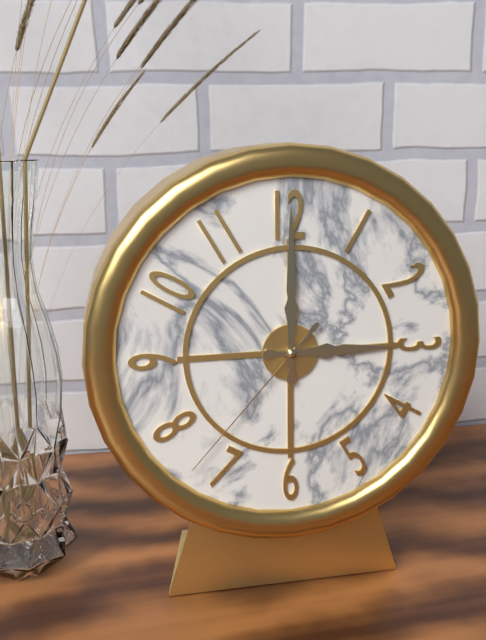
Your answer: 3 h 00 min 37 s
